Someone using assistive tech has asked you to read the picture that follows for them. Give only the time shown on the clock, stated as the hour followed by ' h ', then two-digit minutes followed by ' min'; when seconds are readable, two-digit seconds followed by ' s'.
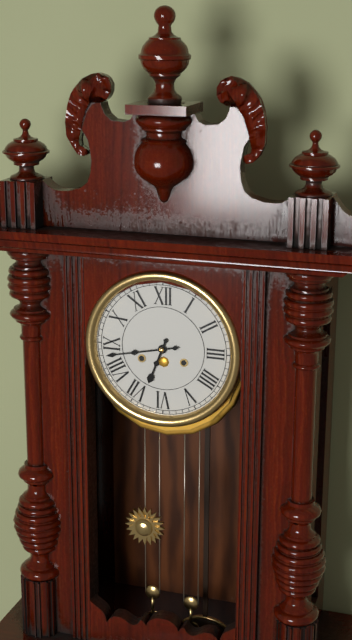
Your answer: 6 h 43 min
